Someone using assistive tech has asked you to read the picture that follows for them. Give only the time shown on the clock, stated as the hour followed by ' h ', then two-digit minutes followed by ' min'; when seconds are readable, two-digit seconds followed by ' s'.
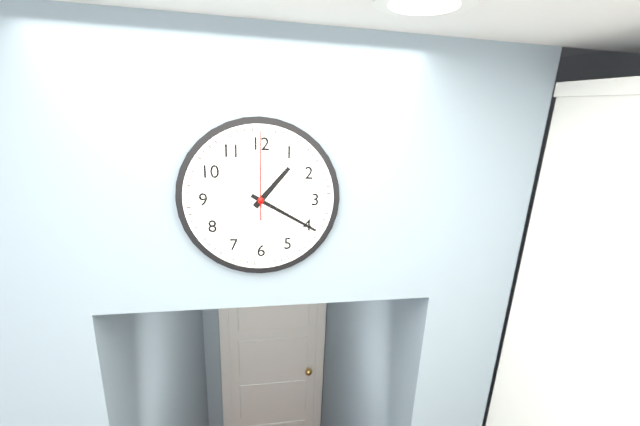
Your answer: 1 h 20 min 00 s
